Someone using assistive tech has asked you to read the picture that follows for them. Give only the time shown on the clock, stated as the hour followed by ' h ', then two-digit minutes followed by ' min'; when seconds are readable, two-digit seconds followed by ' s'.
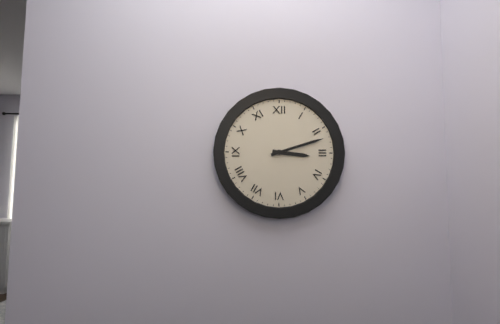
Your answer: 3 h 12 min
